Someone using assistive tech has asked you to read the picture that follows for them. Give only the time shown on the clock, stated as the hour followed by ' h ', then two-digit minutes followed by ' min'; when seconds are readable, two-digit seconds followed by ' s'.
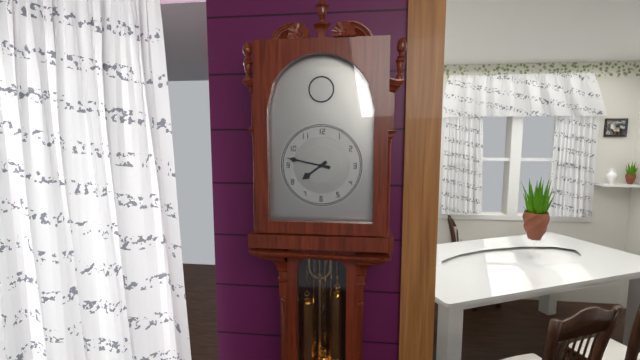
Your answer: 7 h 47 min
